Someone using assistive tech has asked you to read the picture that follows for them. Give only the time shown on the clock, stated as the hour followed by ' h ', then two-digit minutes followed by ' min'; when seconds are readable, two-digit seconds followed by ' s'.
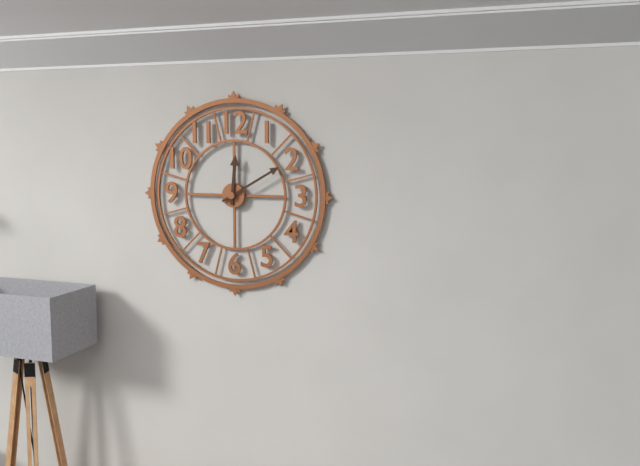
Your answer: 12 h 10 min
